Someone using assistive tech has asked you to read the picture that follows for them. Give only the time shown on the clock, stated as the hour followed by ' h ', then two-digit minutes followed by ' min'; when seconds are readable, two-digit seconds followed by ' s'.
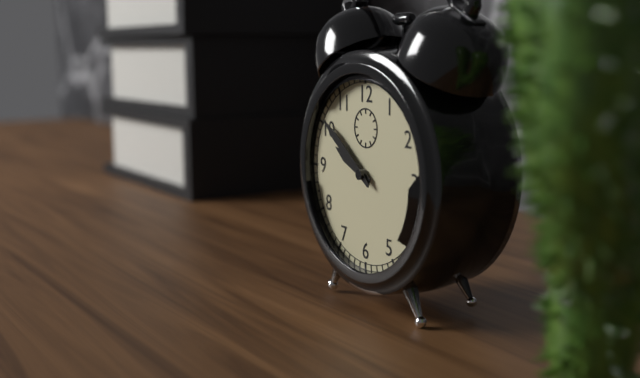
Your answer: 9 h 51 min
